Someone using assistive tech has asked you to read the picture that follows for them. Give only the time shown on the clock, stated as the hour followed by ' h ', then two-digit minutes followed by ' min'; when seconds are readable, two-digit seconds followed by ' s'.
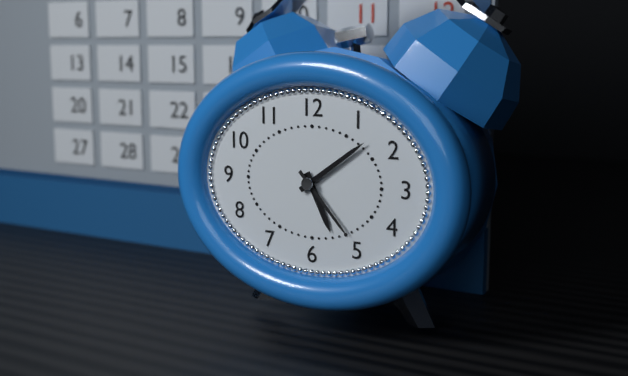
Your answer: 5 h 09 min 23 s
